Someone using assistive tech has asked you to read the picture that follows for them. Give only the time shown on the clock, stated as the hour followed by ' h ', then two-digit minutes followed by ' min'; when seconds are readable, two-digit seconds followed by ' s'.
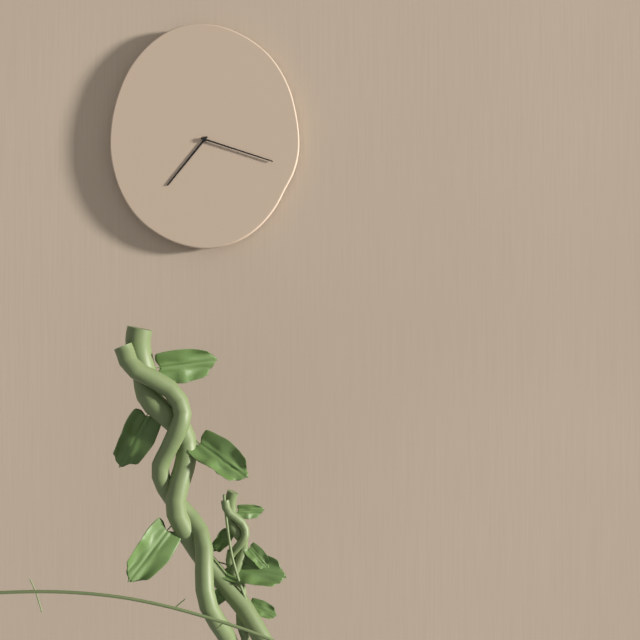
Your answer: 7 h 18 min
